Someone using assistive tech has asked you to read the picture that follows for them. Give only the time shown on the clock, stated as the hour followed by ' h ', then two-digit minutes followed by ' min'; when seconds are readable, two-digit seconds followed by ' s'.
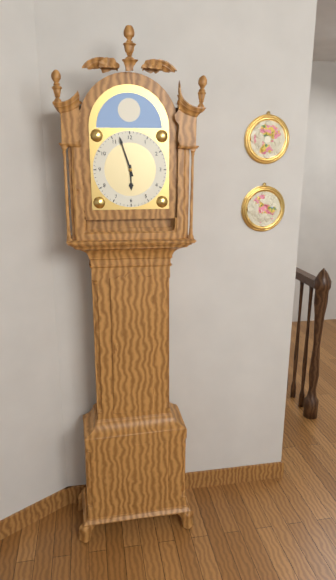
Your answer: 5 h 57 min
